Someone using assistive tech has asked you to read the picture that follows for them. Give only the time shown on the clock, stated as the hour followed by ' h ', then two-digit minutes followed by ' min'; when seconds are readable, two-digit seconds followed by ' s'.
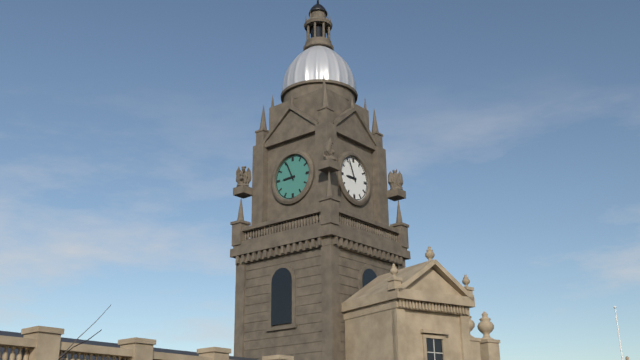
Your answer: 8 h 56 min
